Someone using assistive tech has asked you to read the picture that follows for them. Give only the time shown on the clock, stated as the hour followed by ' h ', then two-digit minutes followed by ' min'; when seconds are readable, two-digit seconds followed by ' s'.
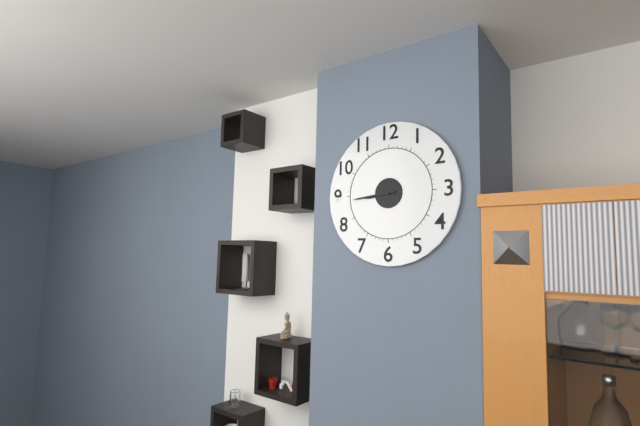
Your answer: 8 h 44 min
